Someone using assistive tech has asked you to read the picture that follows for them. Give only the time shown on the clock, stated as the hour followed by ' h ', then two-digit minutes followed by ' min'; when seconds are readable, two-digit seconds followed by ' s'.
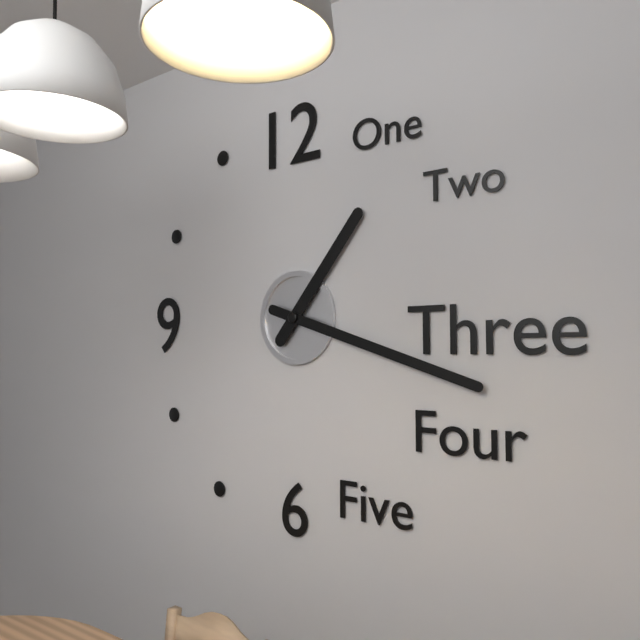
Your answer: 1 h 18 min
